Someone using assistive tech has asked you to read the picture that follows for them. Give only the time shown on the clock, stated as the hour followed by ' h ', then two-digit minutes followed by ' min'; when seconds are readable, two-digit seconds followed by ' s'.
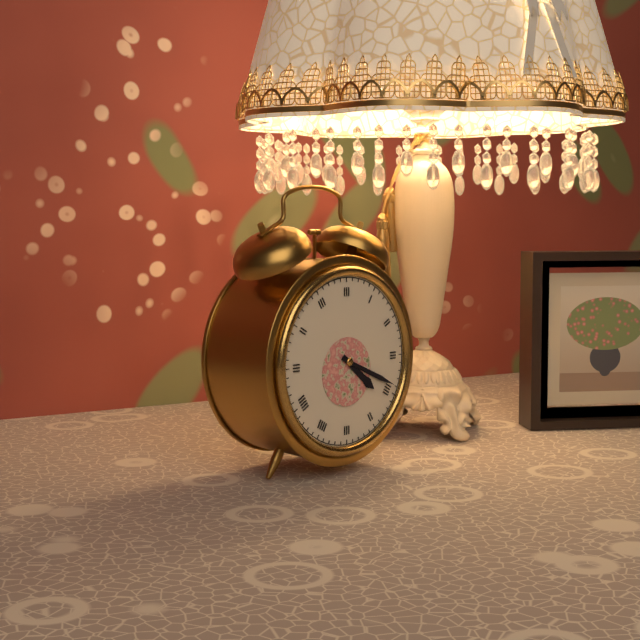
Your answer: 4 h 19 min
